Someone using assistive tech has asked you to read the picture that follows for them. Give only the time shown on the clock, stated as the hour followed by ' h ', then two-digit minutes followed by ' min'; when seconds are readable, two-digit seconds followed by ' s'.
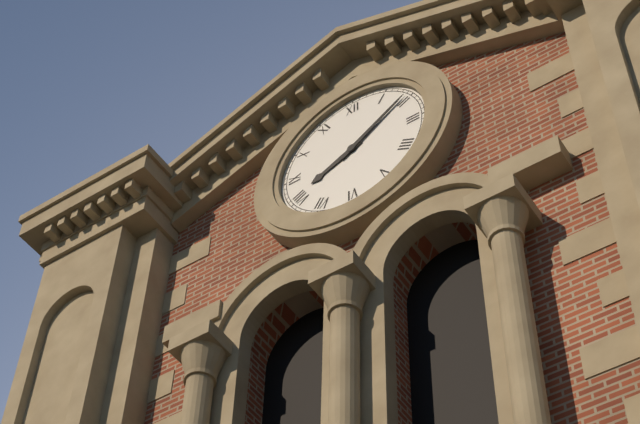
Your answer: 8 h 09 min
